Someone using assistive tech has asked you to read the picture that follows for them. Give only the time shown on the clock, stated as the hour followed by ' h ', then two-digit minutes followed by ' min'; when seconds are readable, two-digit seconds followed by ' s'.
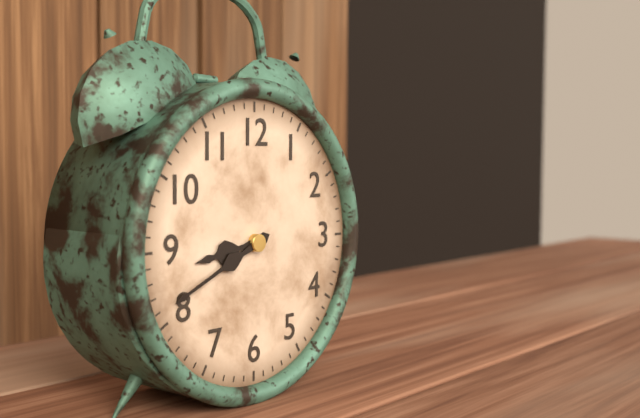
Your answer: 8 h 41 min
